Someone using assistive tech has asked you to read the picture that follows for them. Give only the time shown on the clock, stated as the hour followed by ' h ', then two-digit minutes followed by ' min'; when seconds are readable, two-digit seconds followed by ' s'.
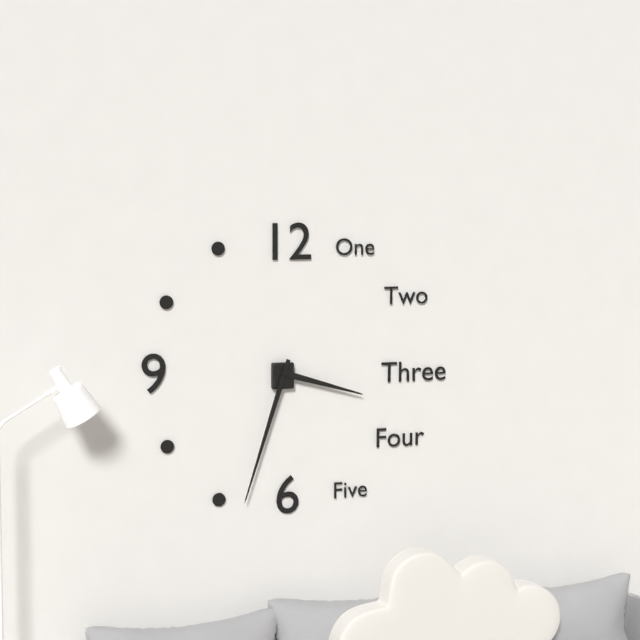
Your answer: 3 h 33 min
